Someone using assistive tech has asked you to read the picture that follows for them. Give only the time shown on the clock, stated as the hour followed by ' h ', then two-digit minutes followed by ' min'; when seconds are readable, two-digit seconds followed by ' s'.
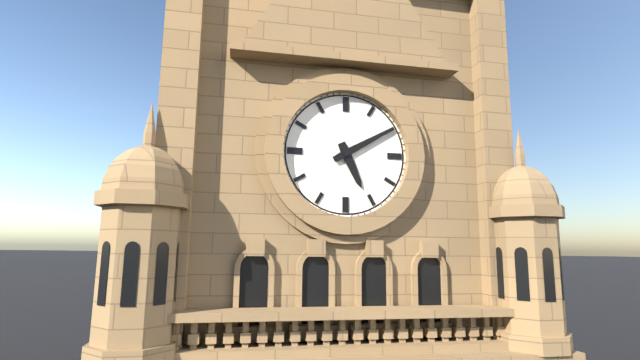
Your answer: 5 h 10 min
